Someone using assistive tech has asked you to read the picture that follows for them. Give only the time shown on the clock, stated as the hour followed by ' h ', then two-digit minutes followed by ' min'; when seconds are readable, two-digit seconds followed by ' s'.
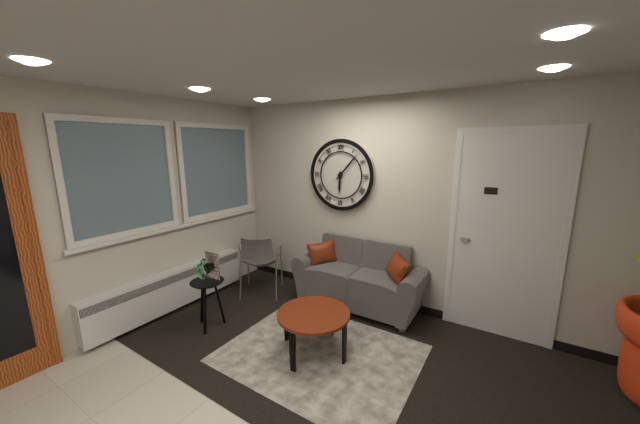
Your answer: 6 h 07 min
